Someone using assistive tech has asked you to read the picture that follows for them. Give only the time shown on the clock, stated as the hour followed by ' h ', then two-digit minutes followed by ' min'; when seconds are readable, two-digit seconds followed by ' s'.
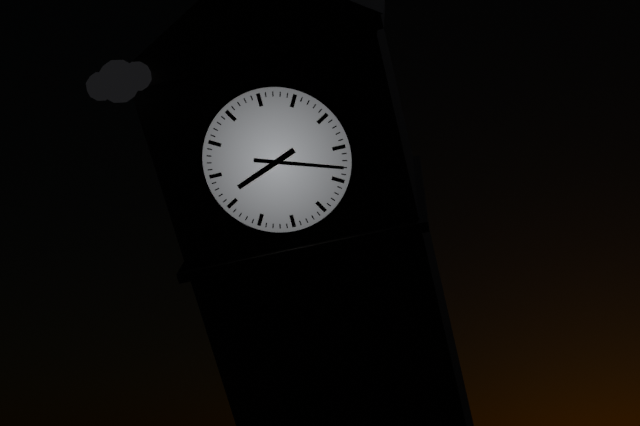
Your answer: 8 h 18 min
